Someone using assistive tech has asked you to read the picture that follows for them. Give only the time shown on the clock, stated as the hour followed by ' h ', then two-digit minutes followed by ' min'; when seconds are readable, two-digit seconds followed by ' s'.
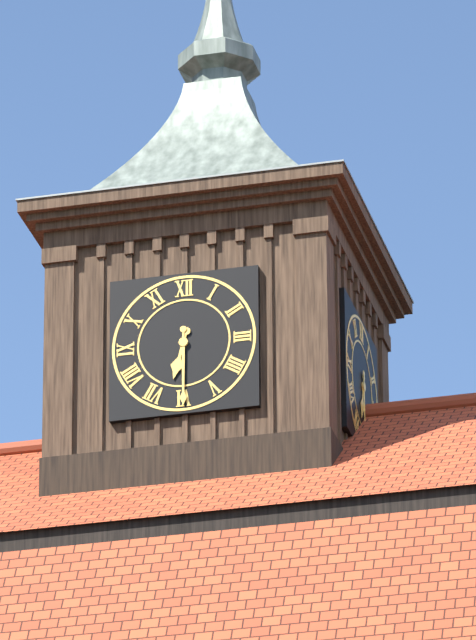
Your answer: 6 h 30 min
